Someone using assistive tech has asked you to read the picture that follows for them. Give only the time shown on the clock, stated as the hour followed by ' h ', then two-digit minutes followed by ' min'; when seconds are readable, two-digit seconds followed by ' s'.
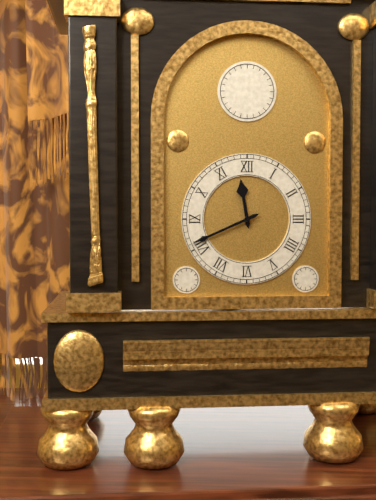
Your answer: 11 h 41 min
